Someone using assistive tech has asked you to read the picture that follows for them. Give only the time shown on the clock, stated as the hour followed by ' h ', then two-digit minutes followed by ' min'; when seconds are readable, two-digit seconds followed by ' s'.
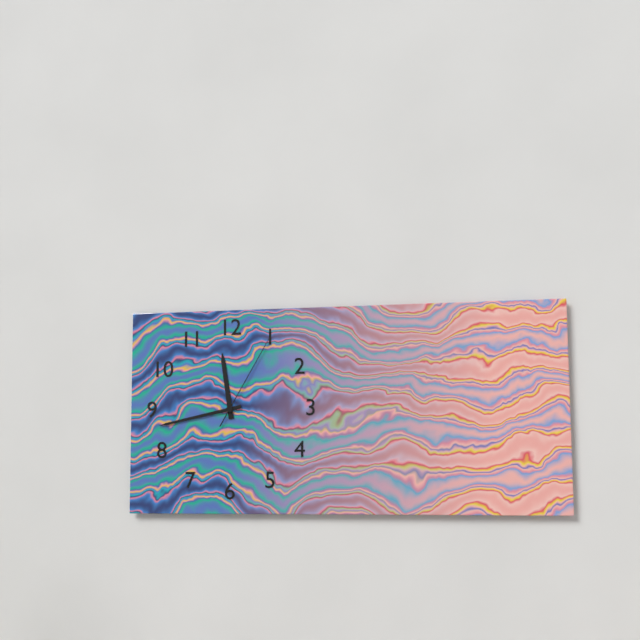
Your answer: 11 h 43 min 05 s
